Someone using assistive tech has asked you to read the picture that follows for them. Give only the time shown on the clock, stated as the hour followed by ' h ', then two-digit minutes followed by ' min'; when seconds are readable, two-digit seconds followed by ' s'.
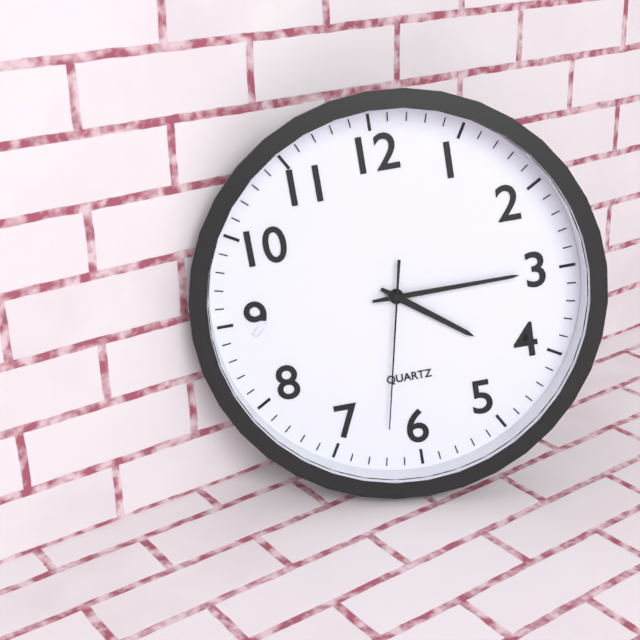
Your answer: 4 h 15 min 32 s
